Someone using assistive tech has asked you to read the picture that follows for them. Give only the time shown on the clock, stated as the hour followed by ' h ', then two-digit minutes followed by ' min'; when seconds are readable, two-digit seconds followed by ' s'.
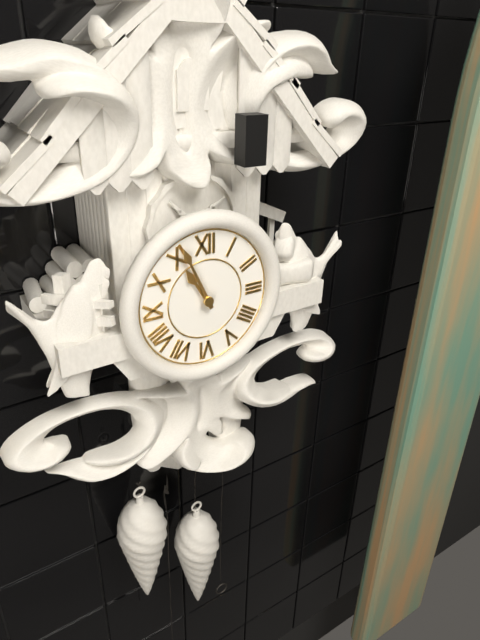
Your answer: 10 h 56 min
